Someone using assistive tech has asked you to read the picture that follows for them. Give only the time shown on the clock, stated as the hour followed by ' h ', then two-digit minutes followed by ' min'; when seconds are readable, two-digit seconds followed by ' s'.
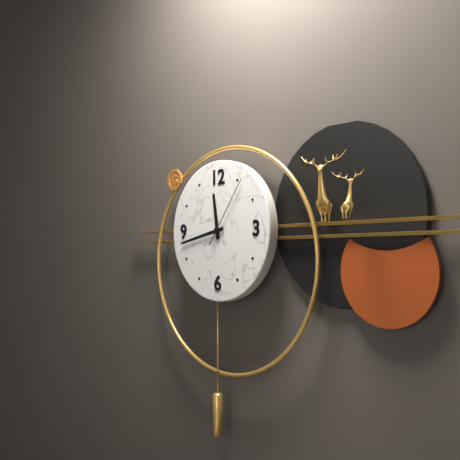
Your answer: 11 h 43 min 06 s
